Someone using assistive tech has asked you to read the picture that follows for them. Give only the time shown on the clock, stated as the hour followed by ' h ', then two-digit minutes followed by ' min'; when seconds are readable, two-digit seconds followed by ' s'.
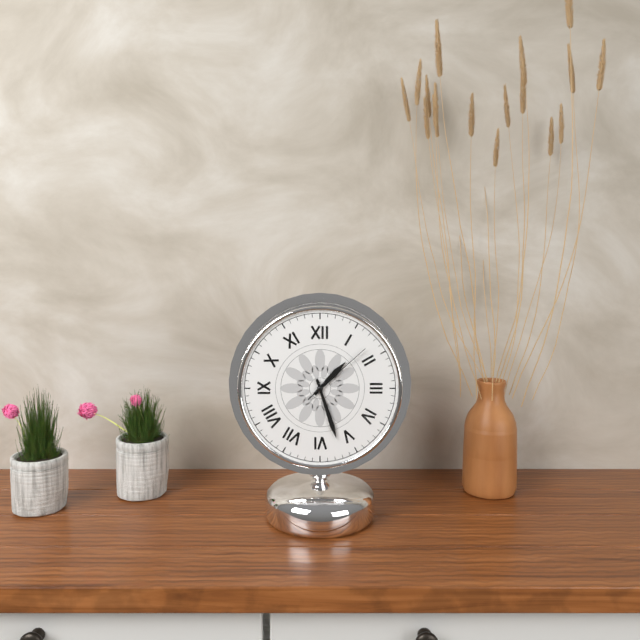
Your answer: 1 h 27 min 08 s
